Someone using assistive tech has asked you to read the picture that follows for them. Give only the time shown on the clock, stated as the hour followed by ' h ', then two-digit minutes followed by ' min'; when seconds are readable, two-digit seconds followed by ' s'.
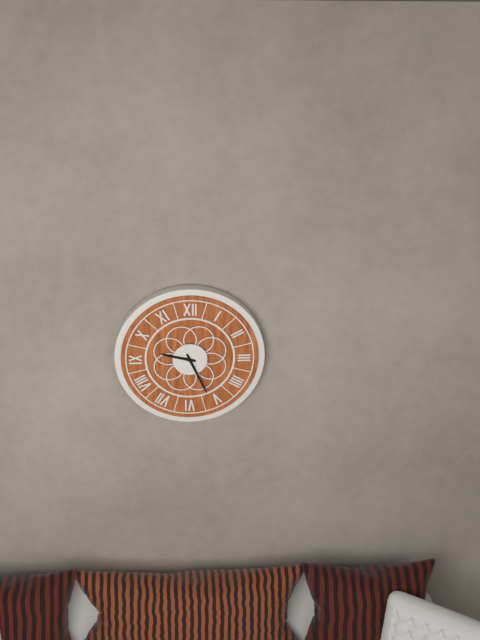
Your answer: 9 h 26 min
